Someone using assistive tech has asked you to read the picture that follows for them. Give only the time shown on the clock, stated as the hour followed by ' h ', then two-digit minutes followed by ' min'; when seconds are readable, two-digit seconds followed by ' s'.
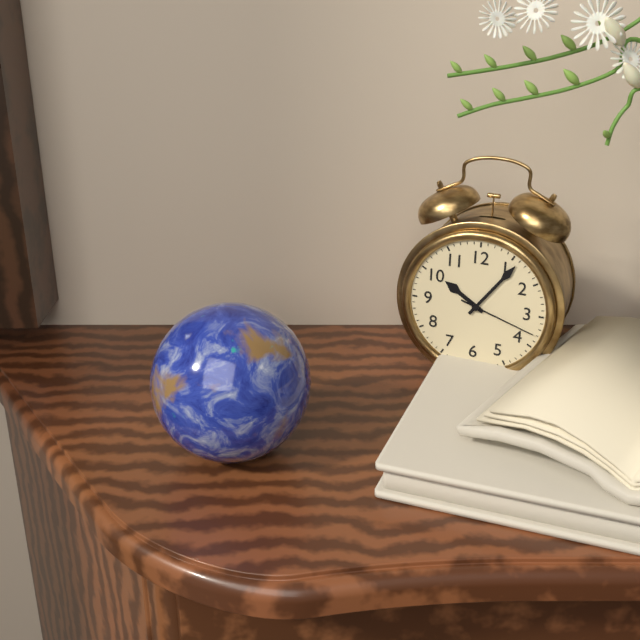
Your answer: 10 h 06 min 18 s
